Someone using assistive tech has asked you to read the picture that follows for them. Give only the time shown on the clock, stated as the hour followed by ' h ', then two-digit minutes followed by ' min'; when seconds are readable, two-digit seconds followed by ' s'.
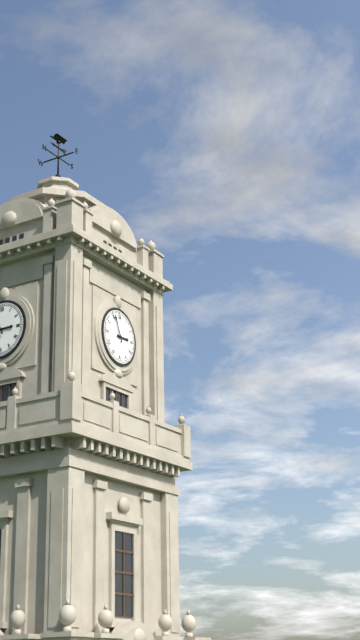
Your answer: 2 h 56 min
